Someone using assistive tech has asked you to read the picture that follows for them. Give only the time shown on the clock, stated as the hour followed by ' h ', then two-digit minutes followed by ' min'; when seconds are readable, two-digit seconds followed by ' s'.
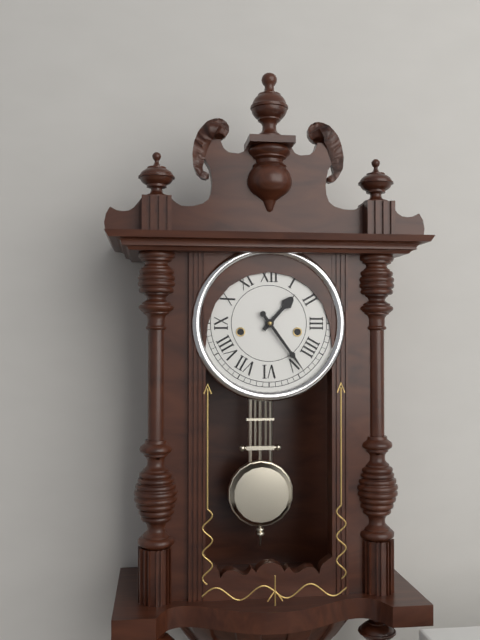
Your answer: 1 h 24 min
